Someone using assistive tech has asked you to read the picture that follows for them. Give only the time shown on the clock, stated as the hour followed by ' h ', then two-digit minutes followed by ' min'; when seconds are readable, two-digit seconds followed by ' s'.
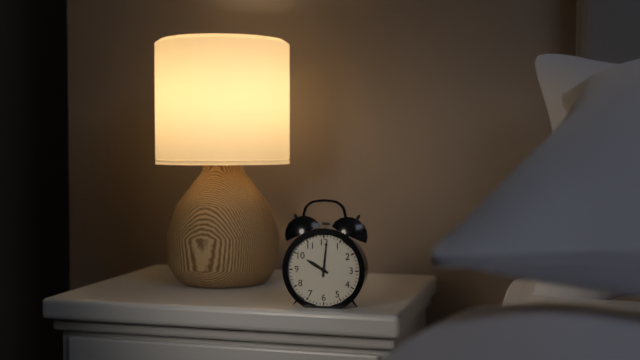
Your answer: 10 h 01 min
